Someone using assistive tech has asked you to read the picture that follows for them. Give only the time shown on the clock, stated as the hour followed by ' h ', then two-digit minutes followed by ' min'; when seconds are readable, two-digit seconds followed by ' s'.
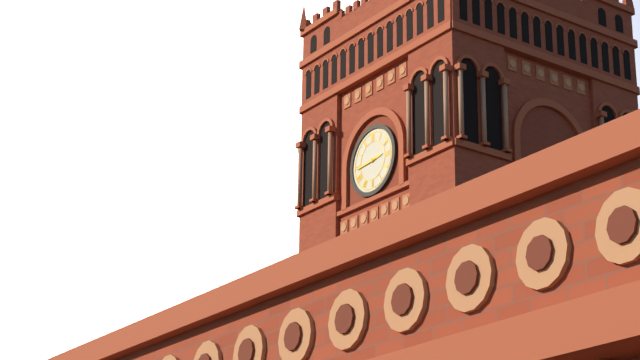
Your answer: 2 h 44 min
